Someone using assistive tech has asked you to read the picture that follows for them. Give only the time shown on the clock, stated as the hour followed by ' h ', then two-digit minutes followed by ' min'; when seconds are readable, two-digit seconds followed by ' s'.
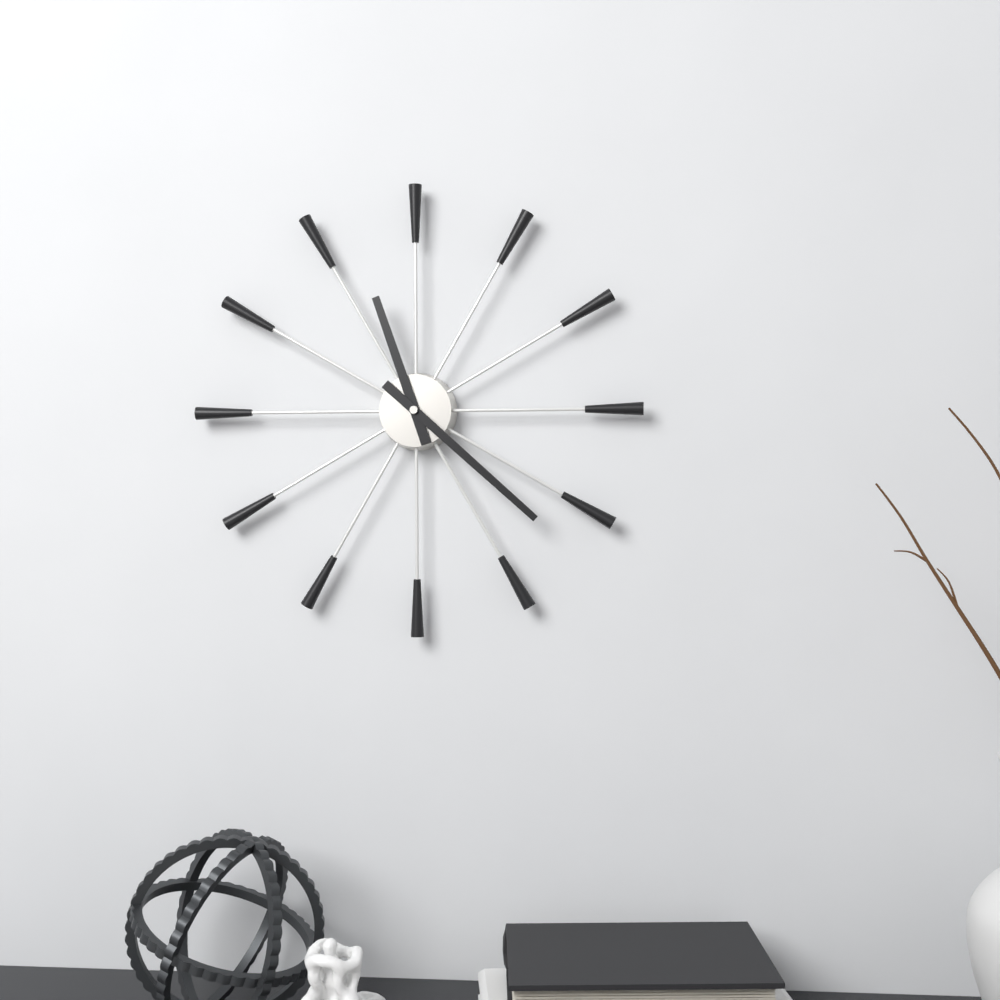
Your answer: 11 h 22 min
